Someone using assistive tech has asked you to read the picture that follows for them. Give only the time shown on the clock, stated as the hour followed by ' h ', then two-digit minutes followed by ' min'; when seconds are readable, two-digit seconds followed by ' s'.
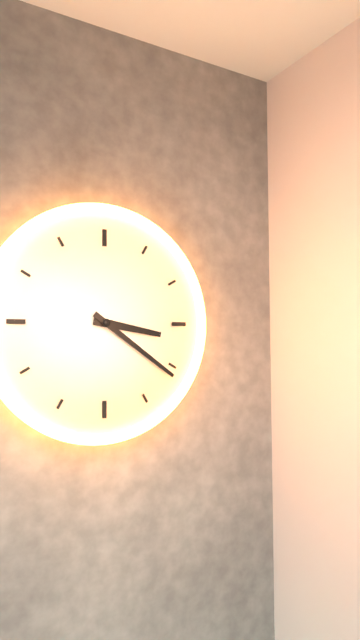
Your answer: 3 h 21 min
